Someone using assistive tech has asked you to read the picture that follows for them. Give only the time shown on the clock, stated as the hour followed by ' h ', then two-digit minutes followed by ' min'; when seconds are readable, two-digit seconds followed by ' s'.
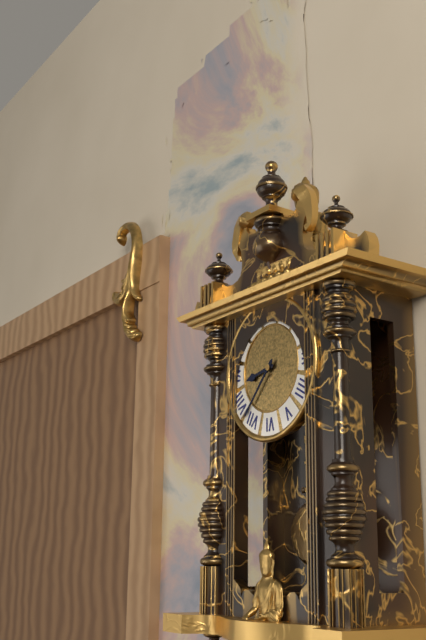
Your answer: 8 h 37 min
